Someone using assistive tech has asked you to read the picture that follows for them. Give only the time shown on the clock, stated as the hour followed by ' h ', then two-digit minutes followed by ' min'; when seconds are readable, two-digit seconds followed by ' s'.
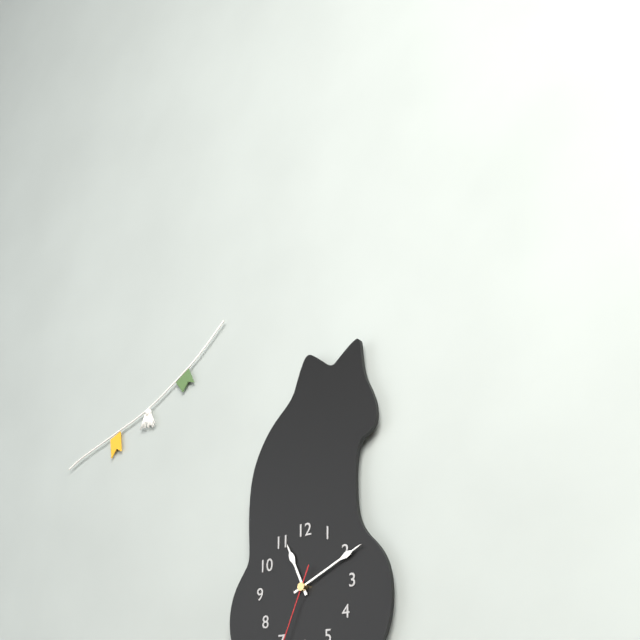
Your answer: 11 h 11 min
